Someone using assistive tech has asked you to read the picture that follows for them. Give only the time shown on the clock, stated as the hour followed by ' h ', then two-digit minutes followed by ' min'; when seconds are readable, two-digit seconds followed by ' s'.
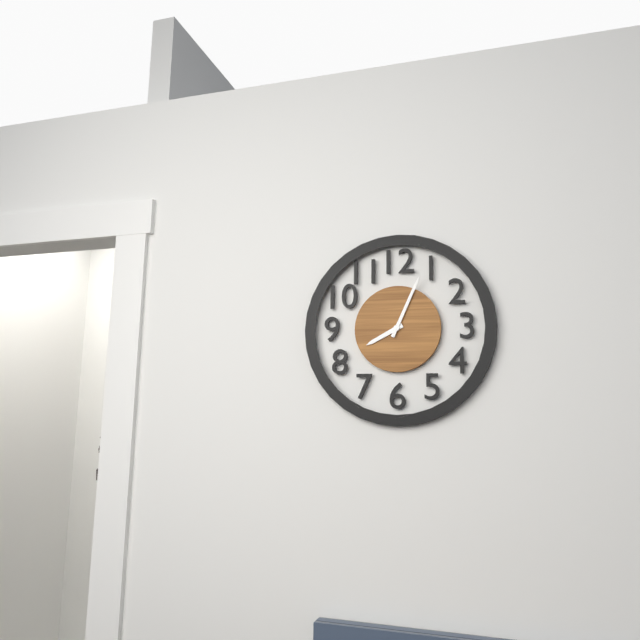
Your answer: 8 h 04 min
